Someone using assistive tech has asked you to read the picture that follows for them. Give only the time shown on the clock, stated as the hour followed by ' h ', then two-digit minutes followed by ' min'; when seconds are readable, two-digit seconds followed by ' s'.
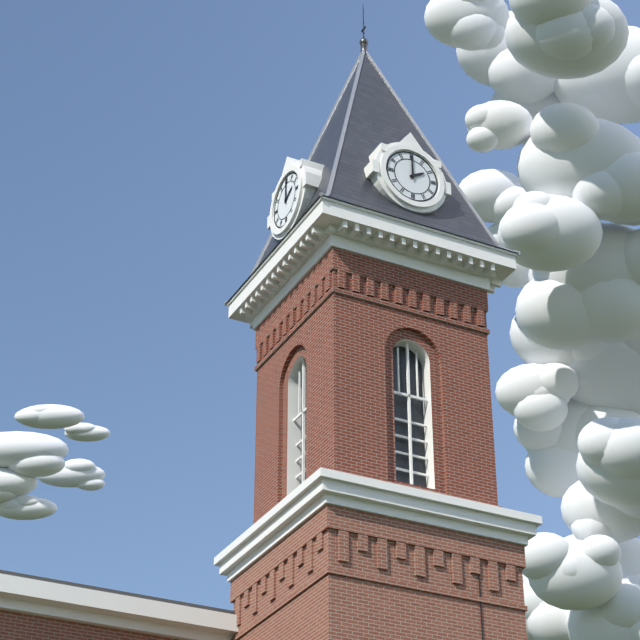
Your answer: 2 h 00 min
